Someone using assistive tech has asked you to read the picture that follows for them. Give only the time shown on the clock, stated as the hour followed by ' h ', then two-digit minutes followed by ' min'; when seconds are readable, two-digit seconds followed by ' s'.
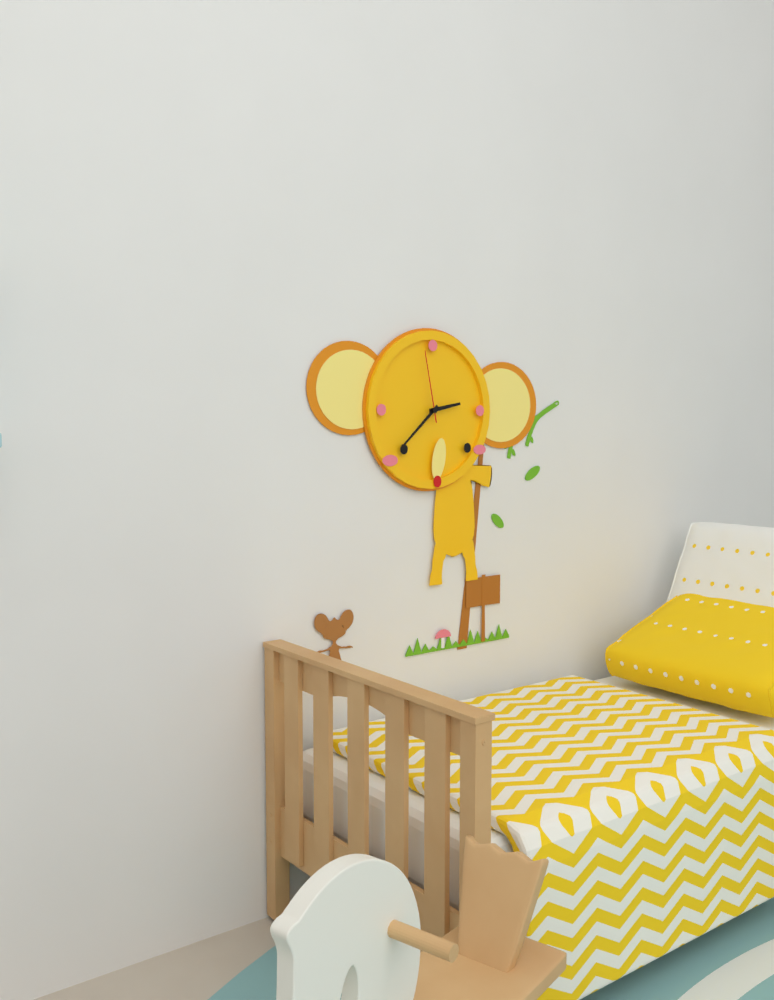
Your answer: 2 h 38 min 58 s
